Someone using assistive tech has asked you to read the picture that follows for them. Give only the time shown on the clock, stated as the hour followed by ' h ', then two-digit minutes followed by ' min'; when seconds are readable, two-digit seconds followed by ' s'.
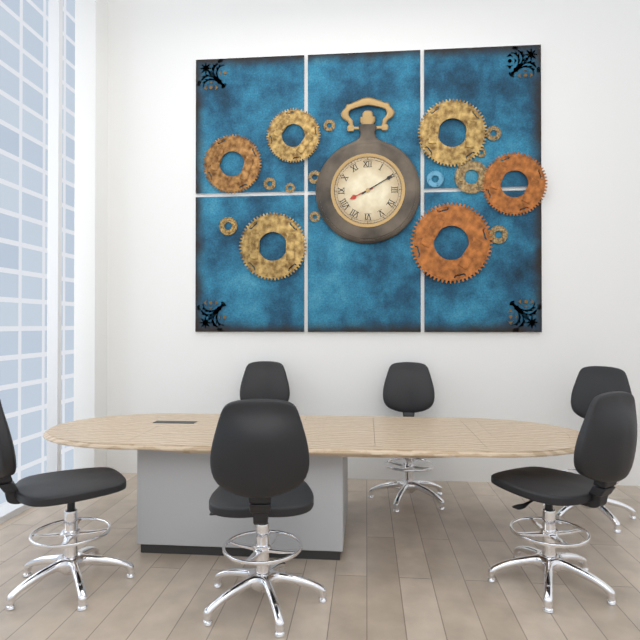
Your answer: 8 h 10 min
